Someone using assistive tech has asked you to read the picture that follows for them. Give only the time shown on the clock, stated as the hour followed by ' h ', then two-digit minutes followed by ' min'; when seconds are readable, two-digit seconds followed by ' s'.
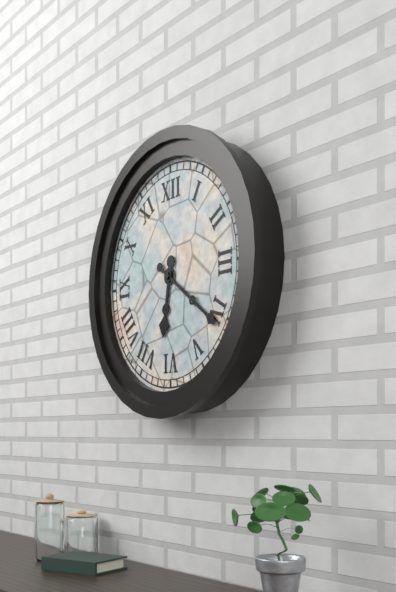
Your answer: 6 h 21 min
